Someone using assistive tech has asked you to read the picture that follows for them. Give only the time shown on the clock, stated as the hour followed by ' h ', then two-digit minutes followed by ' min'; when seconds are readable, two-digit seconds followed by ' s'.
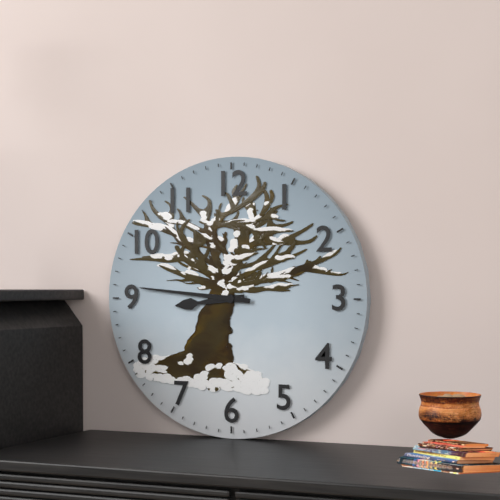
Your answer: 8 h 46 min
